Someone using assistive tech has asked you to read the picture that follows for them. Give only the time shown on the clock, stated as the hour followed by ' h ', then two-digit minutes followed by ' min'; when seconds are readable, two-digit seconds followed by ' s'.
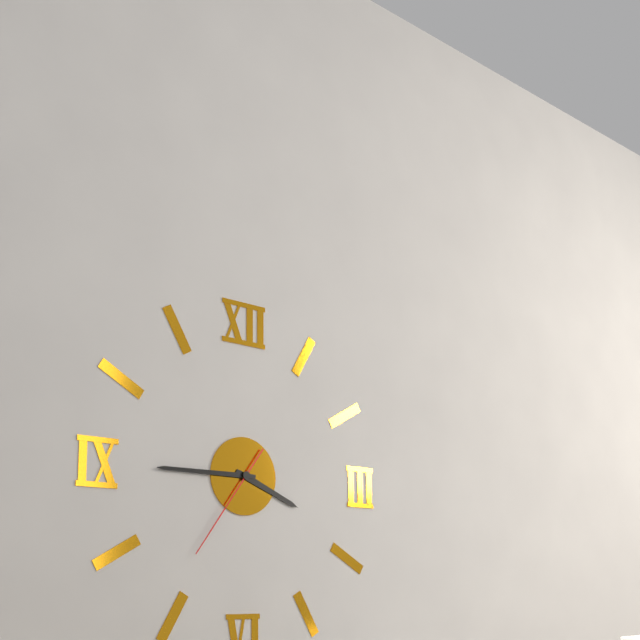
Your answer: 3 h 45 min 36 s
